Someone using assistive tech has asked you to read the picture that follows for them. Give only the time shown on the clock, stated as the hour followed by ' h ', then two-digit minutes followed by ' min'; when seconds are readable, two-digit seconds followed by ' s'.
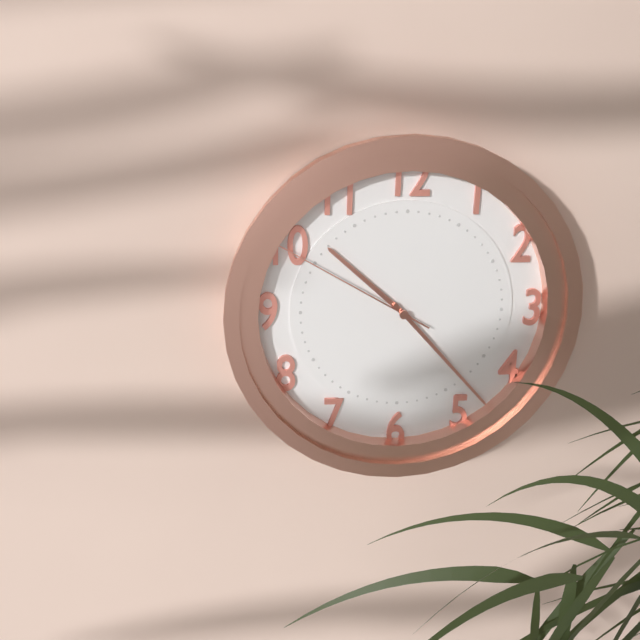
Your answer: 10 h 23 min 50 s
